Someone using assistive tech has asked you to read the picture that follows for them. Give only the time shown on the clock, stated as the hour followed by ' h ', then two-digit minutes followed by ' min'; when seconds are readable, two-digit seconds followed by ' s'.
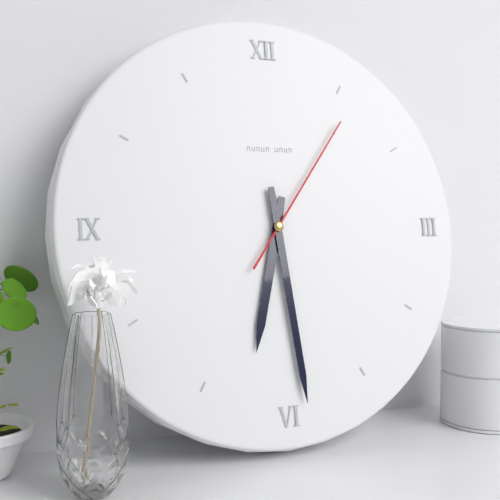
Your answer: 6 h 29 min 06 s
